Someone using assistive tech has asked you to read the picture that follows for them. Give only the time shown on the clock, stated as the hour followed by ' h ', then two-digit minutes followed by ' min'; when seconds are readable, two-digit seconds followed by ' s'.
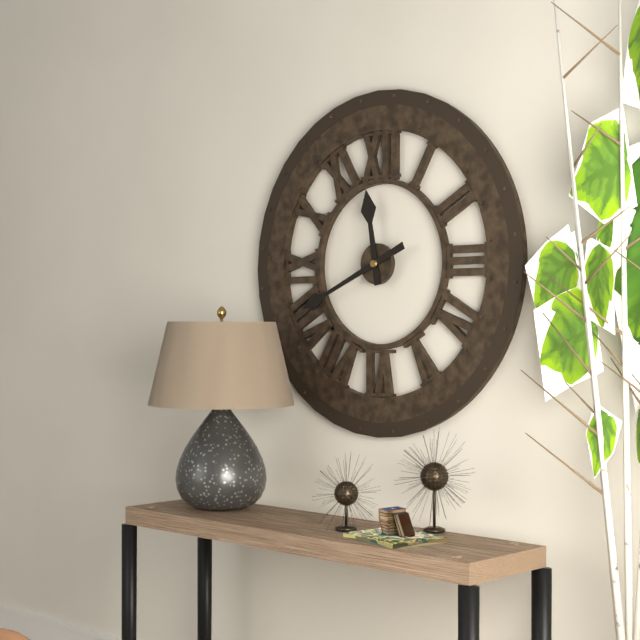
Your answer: 11 h 41 min
